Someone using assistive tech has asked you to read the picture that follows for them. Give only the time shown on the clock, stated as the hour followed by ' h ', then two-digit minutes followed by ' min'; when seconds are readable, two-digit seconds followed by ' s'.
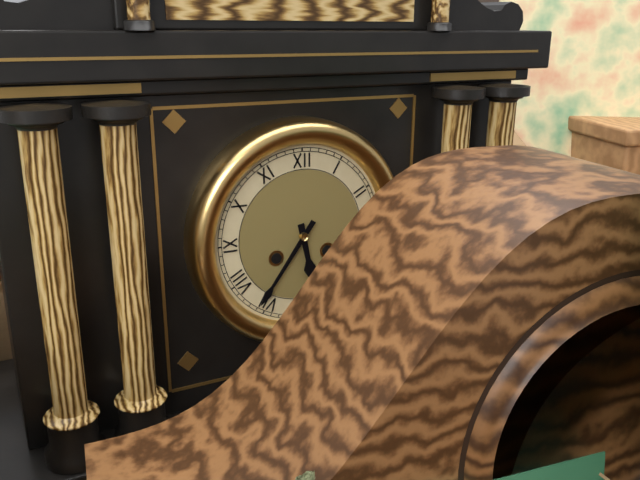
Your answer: 5 h 36 min
